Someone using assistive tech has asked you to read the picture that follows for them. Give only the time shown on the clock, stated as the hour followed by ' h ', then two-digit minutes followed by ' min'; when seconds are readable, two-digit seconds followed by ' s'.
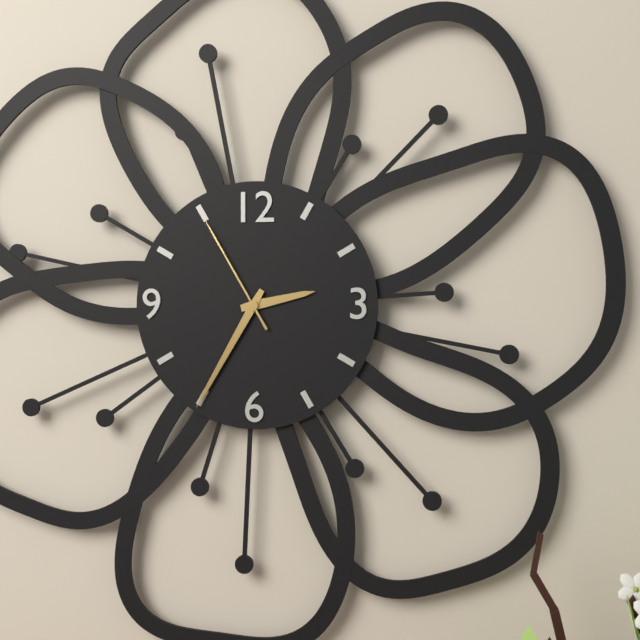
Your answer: 2 h 35 min 55 s
